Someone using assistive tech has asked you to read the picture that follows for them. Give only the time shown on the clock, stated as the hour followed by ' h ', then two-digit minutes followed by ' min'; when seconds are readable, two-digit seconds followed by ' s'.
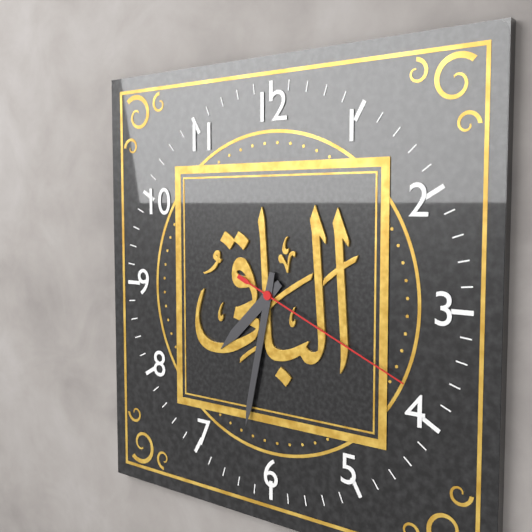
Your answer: 7 h 32 min 19 s
